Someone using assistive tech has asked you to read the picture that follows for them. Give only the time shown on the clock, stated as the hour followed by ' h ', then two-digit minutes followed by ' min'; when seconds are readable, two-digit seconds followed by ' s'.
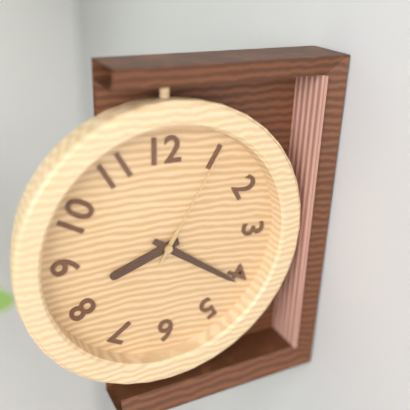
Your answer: 8 h 21 min 05 s
